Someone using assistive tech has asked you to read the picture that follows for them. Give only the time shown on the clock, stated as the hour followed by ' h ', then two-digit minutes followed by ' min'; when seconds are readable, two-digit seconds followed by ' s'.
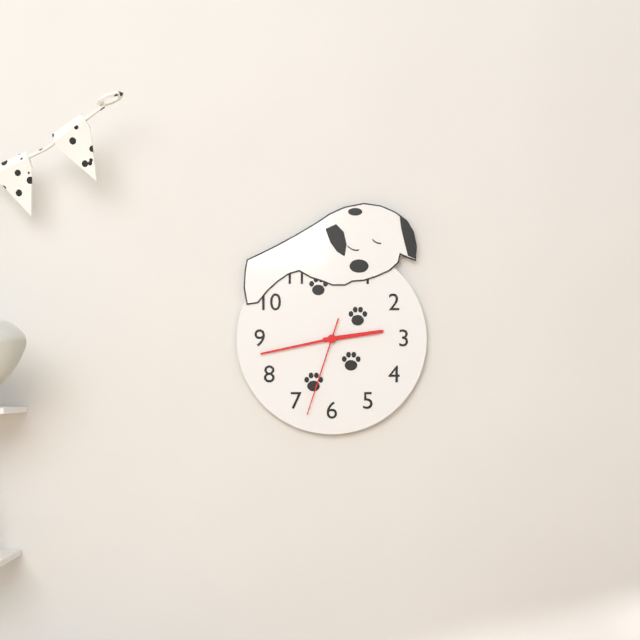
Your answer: 2 h 43 min 33 s
